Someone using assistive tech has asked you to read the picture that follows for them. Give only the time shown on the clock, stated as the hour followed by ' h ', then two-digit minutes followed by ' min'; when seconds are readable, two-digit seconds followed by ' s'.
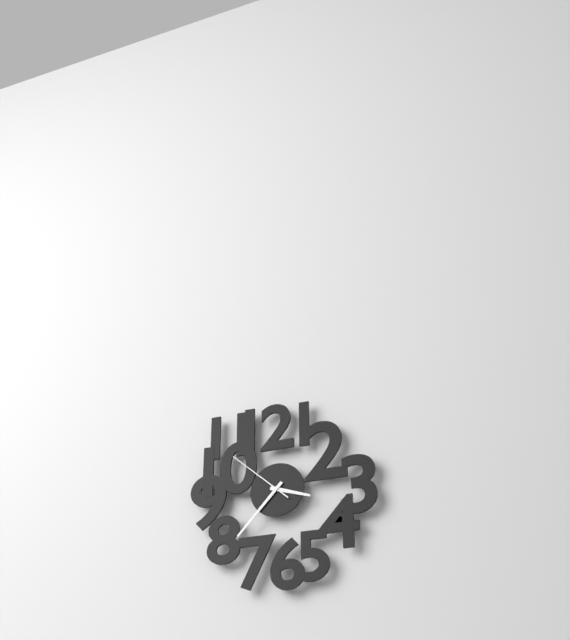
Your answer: 3 h 37 min 52 s
